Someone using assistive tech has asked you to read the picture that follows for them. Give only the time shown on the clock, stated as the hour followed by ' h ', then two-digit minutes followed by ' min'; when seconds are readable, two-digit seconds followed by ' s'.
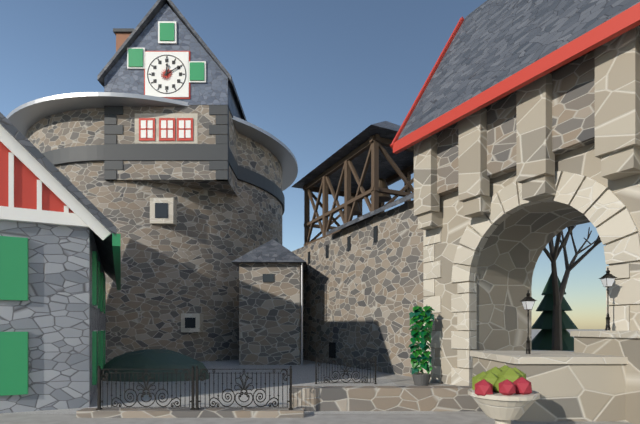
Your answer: 12 h 10 min
